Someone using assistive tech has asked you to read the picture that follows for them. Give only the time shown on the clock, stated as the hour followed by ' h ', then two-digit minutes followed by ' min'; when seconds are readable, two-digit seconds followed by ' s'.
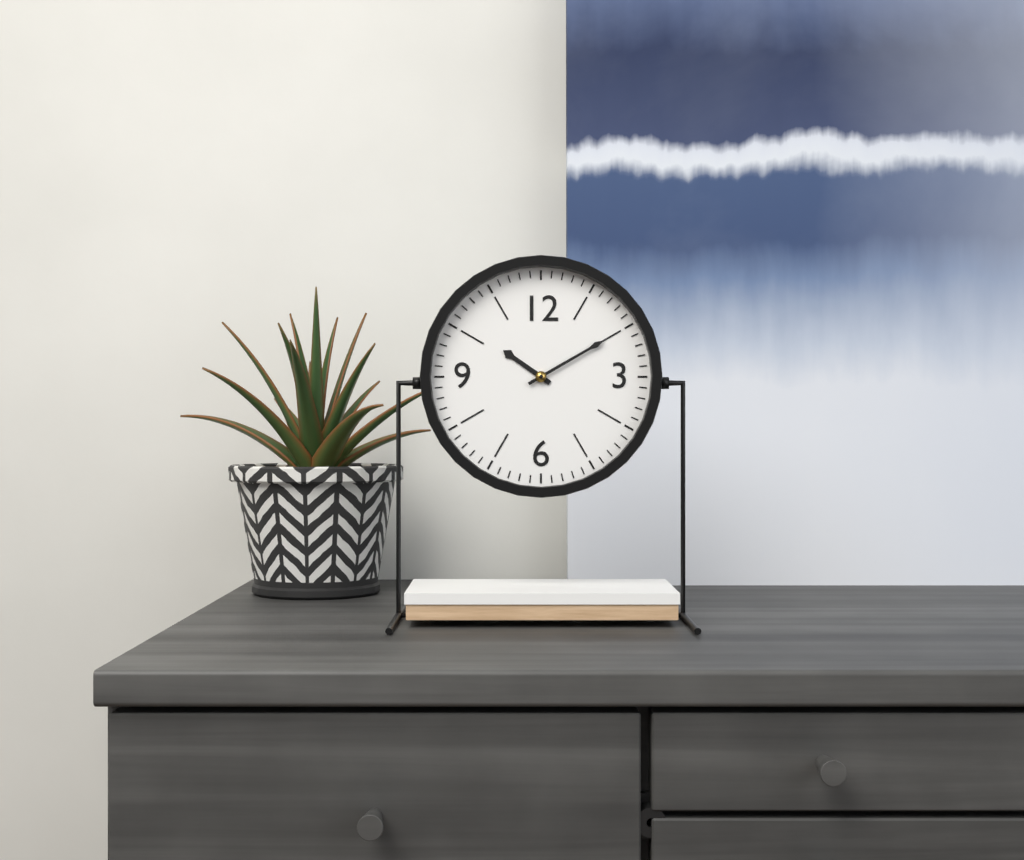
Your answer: 10 h 10 min
